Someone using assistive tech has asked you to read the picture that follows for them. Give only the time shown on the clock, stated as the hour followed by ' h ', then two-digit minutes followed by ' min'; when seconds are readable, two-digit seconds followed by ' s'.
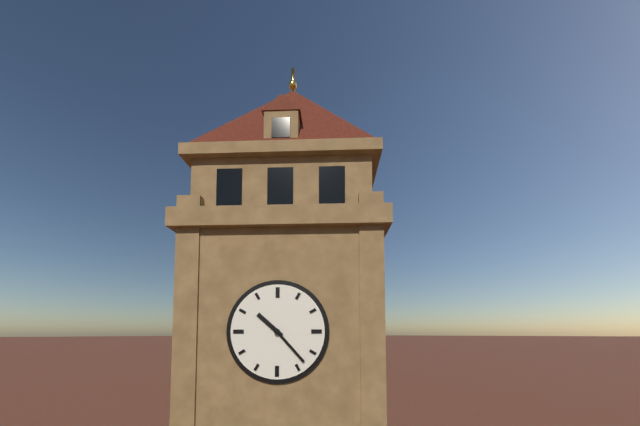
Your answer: 10 h 23 min
